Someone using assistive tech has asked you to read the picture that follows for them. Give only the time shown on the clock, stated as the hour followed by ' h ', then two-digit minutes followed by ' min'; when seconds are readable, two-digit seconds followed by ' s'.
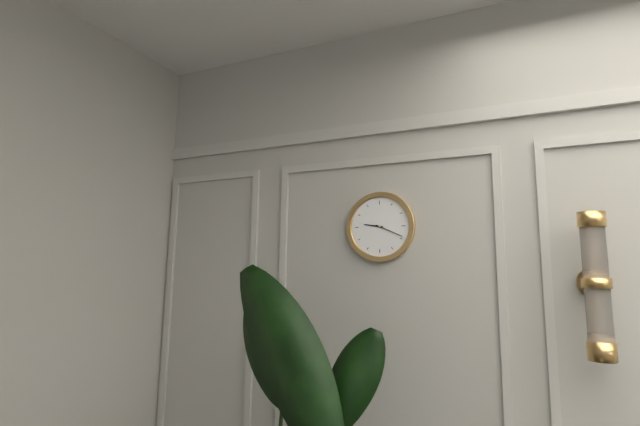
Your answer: 9 h 19 min
